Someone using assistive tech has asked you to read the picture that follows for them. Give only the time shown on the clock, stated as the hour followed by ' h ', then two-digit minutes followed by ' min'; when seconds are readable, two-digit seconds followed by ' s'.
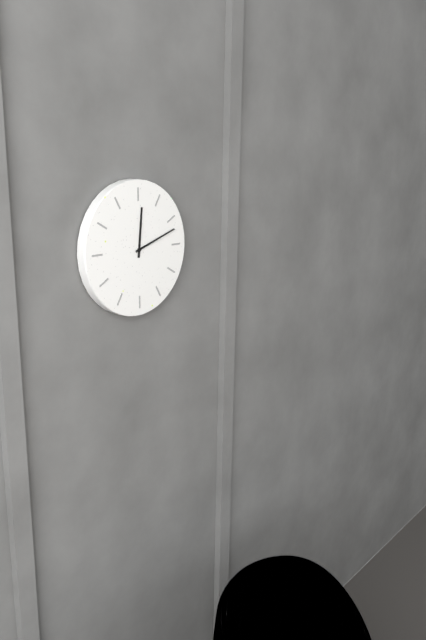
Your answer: 12 h 12 min
